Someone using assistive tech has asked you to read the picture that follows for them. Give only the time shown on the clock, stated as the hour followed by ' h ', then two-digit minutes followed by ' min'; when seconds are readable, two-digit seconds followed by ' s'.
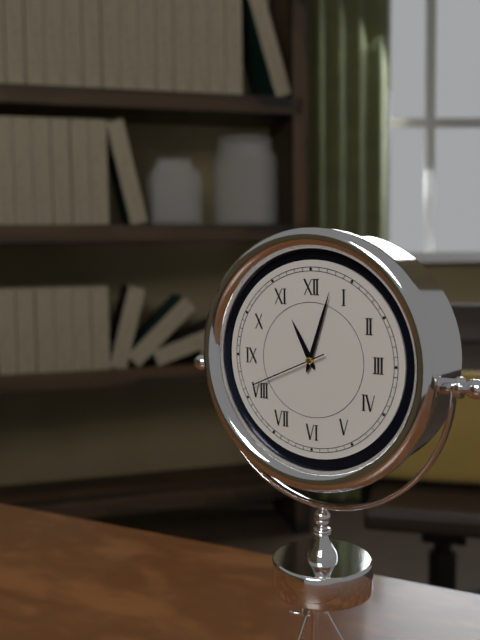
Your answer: 11 h 03 min 41 s
